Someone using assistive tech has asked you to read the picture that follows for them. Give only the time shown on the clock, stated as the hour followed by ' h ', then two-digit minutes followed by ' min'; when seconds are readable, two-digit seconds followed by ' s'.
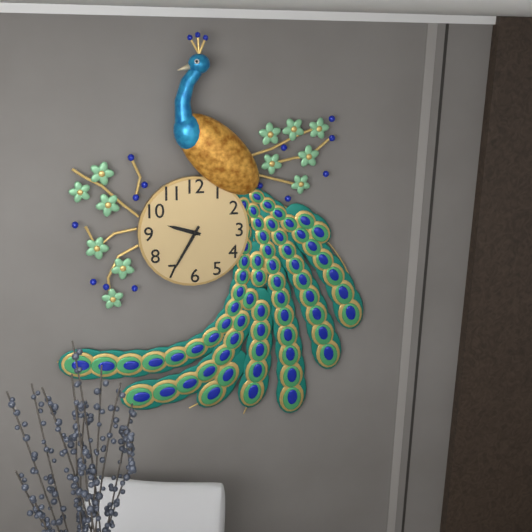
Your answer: 9 h 35 min
